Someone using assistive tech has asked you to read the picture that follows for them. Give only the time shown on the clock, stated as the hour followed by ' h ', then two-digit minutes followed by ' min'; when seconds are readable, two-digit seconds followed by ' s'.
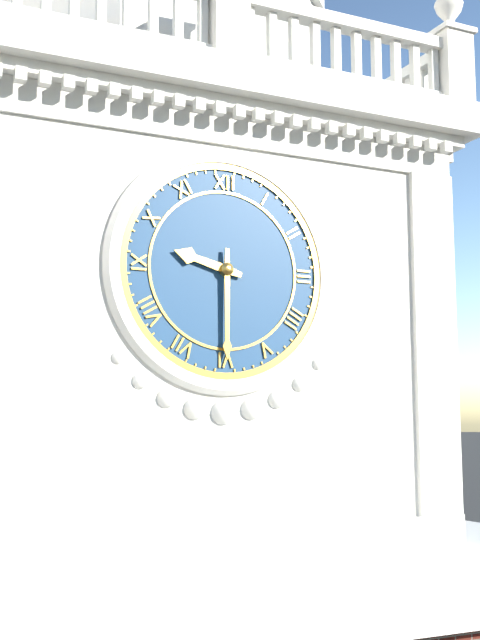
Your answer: 9 h 30 min
